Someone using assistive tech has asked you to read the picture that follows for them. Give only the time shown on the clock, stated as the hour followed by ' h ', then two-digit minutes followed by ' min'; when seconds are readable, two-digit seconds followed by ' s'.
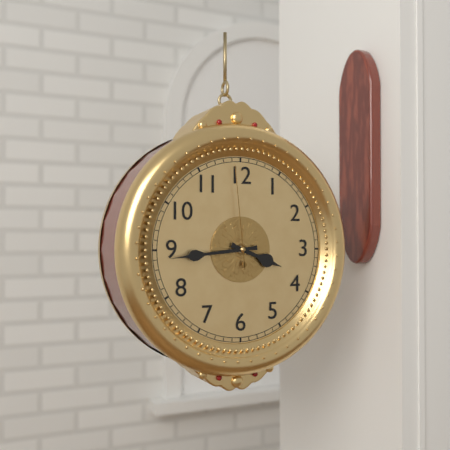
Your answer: 3 h 44 min 59 s
